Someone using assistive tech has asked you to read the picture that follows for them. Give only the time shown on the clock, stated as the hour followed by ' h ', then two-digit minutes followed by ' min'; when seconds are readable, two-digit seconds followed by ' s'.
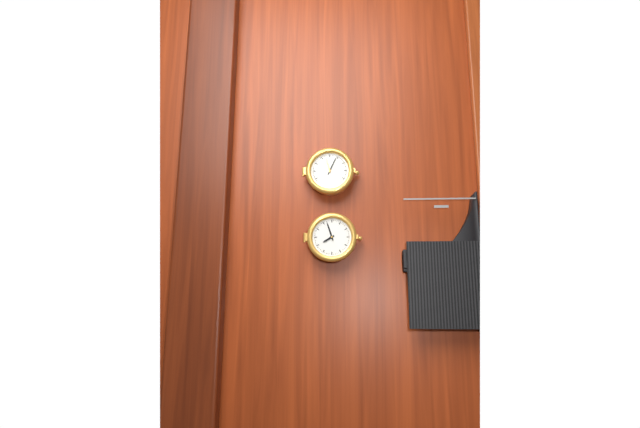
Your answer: 7 h 57 min
